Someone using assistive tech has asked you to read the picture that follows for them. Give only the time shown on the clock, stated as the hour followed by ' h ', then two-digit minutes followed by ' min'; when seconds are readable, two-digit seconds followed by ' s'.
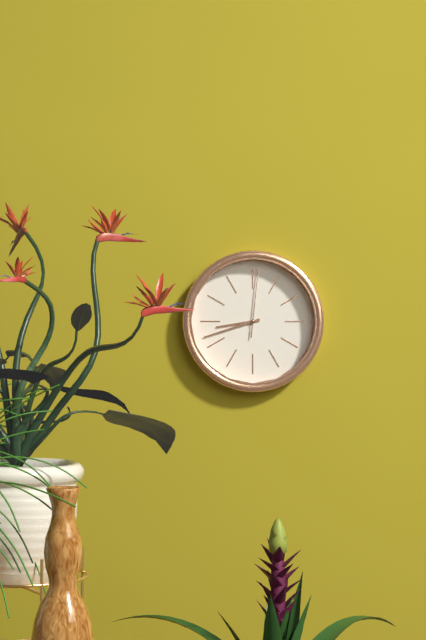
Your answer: 8 h 42 min 01 s
